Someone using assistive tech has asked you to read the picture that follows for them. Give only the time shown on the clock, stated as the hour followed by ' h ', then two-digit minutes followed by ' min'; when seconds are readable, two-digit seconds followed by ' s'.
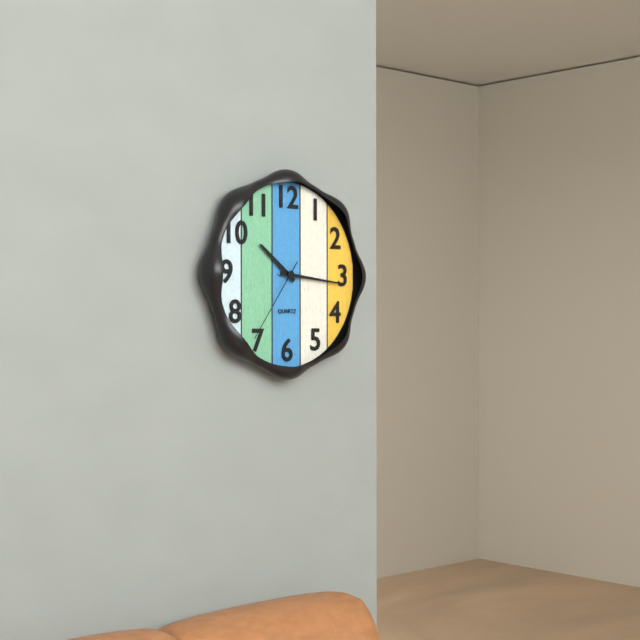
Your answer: 10 h 16 min 36 s
